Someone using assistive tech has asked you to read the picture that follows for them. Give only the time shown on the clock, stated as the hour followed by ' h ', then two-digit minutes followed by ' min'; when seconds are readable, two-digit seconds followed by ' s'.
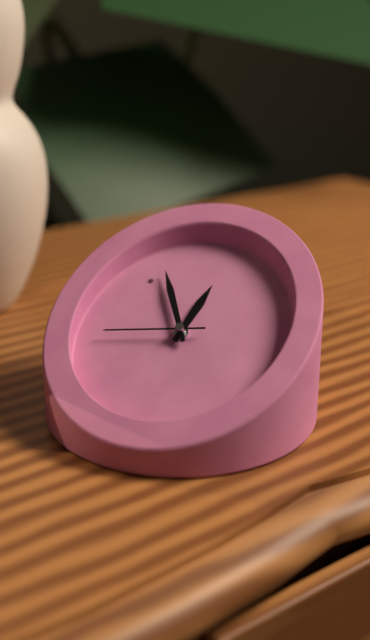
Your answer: 3 h 09 min 57 s
